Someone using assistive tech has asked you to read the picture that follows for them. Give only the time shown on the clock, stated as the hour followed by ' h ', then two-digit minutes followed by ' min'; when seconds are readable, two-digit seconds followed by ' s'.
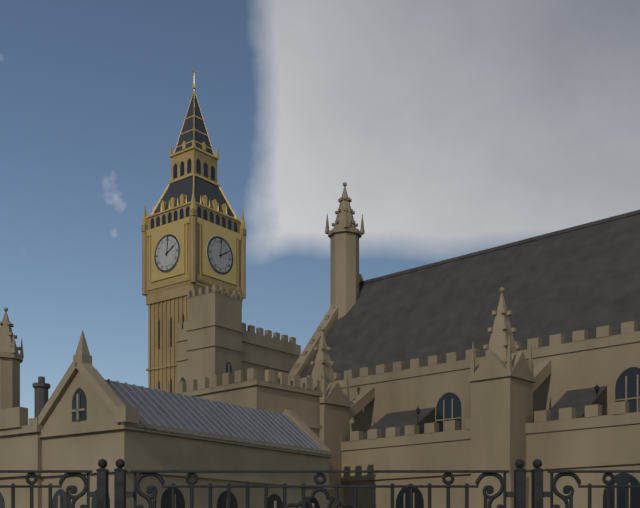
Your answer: 2 h 01 min
